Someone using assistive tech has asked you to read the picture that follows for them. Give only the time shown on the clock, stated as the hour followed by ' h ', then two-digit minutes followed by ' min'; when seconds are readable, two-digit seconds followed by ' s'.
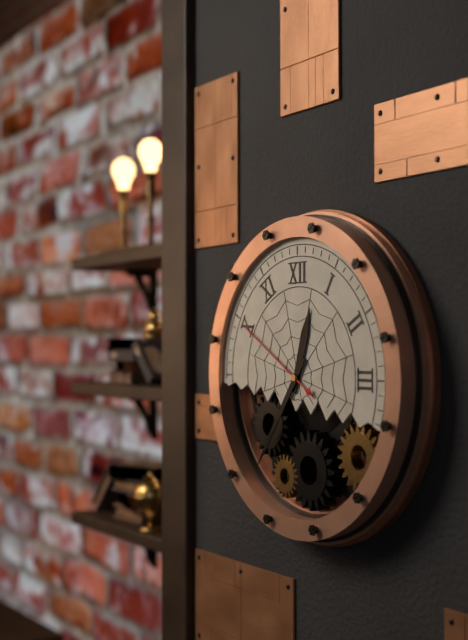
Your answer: 12 h 36 min 50 s
